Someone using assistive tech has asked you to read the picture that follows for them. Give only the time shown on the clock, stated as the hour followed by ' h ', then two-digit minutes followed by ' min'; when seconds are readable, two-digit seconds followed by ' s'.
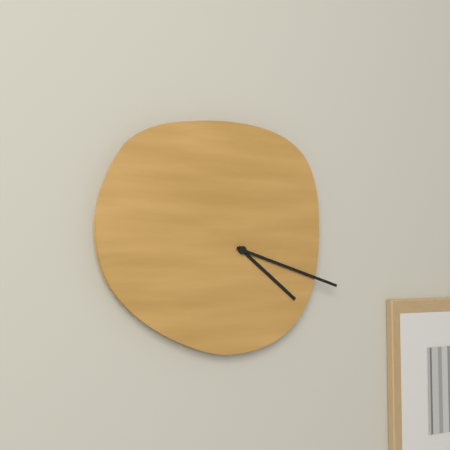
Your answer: 4 h 18 min
